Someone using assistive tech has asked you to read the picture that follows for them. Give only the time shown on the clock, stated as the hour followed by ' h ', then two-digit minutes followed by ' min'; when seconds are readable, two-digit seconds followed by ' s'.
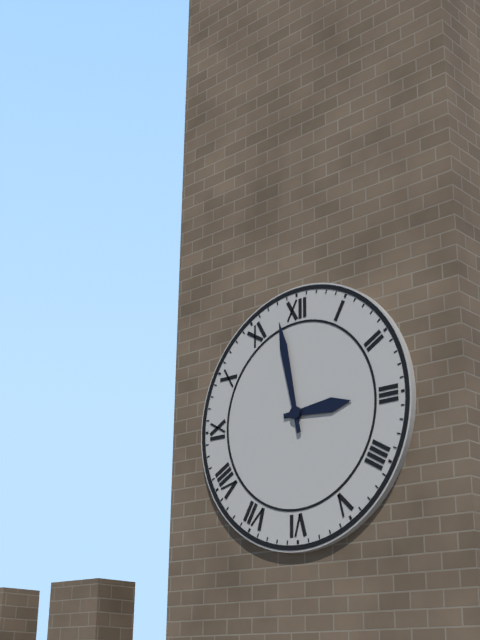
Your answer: 2 h 58 min
